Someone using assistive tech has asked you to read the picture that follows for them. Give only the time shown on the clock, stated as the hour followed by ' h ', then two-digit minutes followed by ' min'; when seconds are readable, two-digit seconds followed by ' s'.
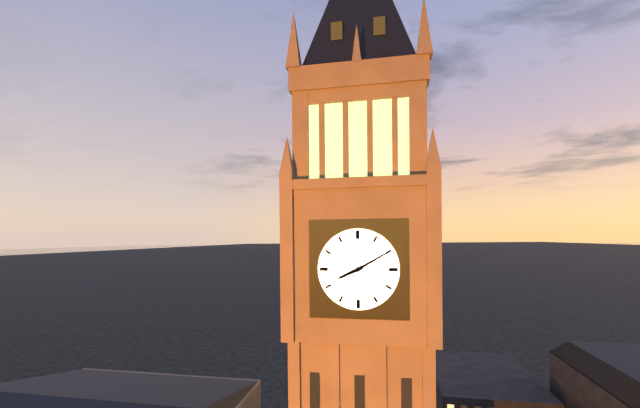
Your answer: 8 h 10 min
